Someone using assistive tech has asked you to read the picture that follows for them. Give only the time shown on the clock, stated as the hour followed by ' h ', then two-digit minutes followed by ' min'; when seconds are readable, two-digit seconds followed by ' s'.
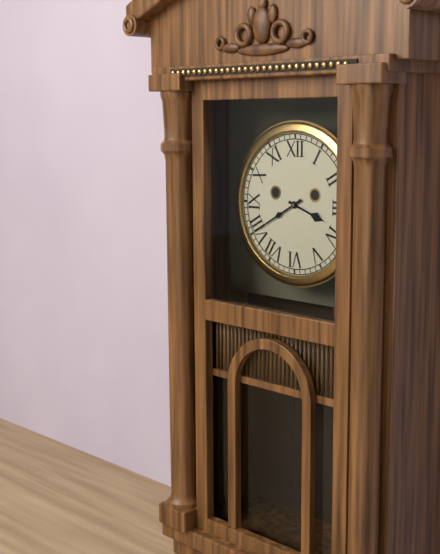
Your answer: 3 h 40 min
